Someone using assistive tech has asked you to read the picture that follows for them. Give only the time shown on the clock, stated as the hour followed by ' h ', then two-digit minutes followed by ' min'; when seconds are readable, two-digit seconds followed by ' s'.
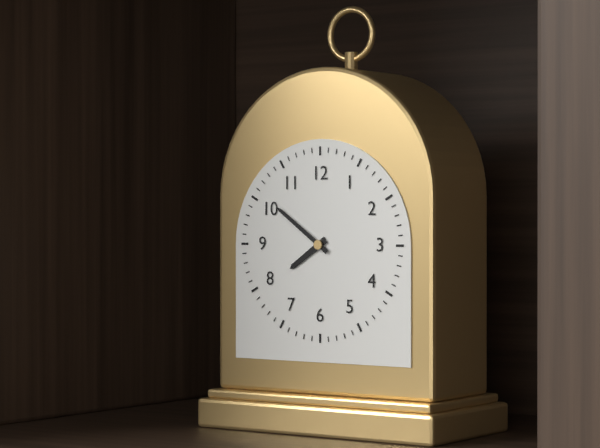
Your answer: 7 h 51 min
